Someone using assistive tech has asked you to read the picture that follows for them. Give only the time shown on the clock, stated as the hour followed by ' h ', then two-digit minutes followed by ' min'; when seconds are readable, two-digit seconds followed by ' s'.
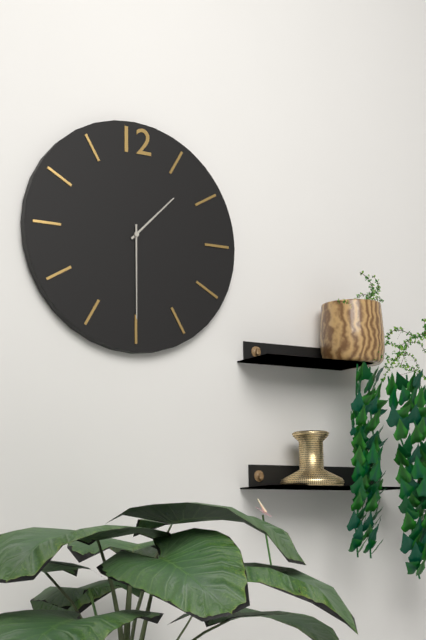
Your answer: 1 h 30 min
